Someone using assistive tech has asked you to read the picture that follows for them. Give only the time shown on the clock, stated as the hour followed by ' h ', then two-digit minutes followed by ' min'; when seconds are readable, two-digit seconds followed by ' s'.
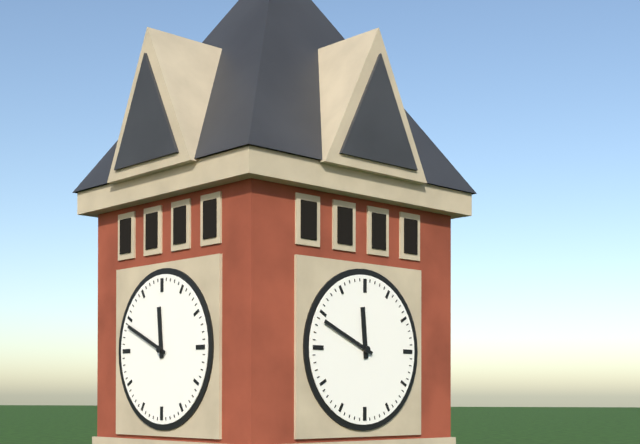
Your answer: 11 h 49 min
